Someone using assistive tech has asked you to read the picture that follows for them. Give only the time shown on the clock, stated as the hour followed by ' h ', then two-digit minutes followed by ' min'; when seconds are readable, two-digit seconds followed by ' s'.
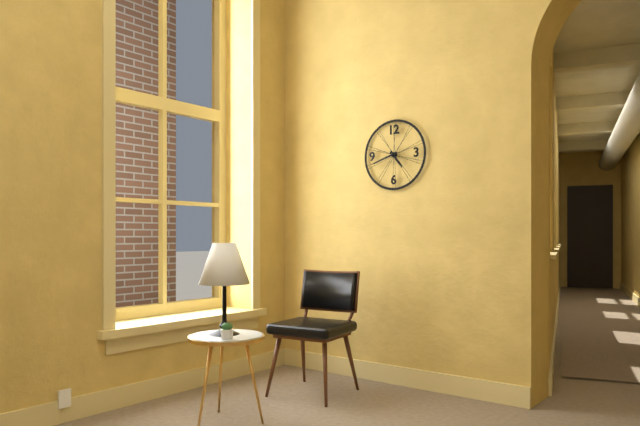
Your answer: 4 h 42 min
